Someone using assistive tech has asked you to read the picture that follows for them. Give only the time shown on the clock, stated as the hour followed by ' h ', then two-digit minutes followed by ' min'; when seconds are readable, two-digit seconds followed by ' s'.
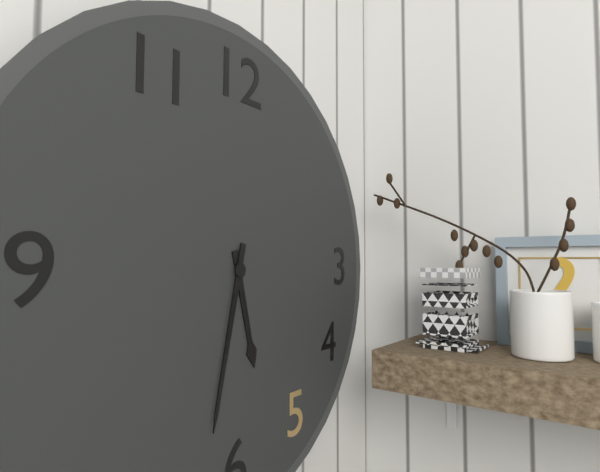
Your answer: 5 h 32 min
